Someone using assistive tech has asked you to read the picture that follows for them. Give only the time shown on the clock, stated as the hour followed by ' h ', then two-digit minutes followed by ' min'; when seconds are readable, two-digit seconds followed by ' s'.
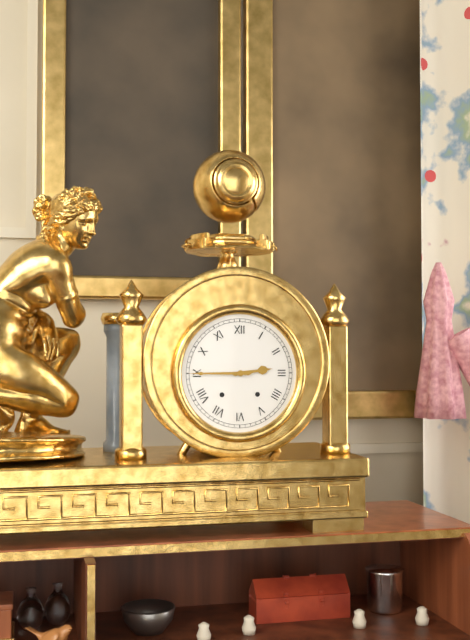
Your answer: 2 h 45 min
